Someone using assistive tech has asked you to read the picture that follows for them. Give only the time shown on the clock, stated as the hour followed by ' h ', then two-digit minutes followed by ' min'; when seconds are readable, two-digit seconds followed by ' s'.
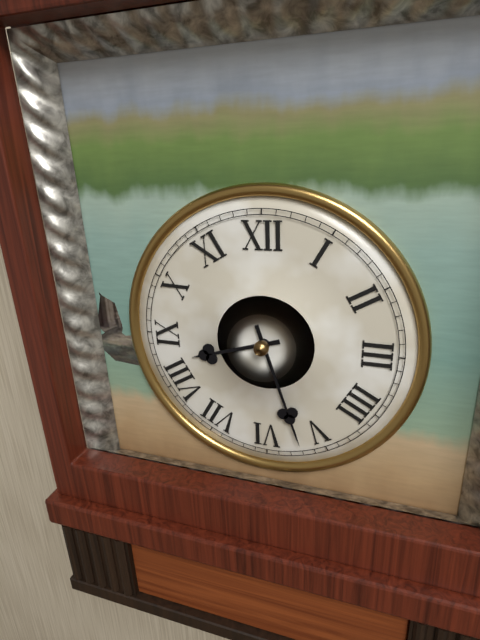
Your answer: 8 h 27 min
